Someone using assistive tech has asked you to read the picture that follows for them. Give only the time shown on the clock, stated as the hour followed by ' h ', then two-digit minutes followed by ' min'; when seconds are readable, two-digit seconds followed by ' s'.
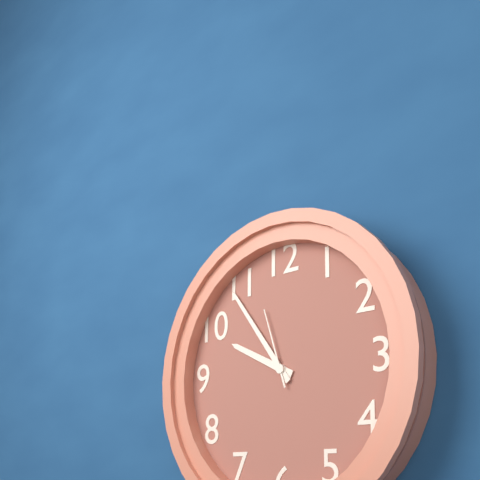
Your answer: 9 h 54 min 57 s
